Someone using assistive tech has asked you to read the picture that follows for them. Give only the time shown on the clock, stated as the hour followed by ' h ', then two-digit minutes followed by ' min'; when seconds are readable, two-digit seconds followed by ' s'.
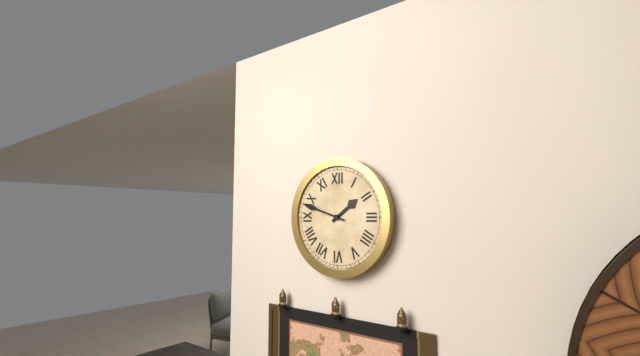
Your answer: 1 h 48 min
